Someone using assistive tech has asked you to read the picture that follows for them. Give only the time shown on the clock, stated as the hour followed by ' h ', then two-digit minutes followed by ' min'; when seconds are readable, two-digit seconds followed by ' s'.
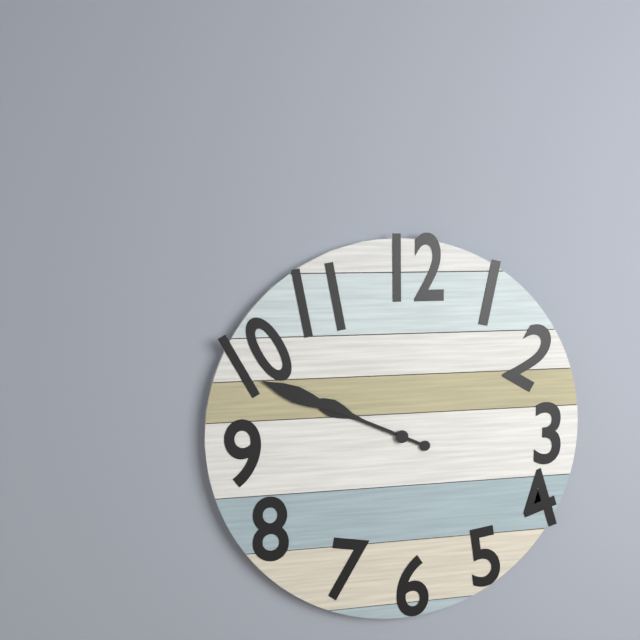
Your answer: 9 h 49 min
